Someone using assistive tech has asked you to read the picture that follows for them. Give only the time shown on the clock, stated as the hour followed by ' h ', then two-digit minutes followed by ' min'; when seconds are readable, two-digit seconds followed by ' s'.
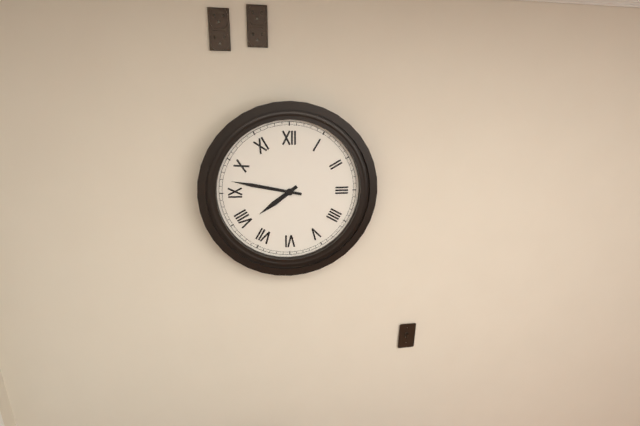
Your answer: 7 h 47 min
